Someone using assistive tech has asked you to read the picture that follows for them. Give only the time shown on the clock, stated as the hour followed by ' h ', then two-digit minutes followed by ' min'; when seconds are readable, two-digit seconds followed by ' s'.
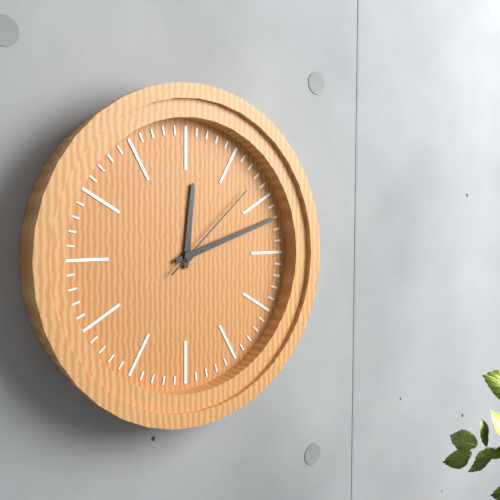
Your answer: 12 h 12 min 08 s
